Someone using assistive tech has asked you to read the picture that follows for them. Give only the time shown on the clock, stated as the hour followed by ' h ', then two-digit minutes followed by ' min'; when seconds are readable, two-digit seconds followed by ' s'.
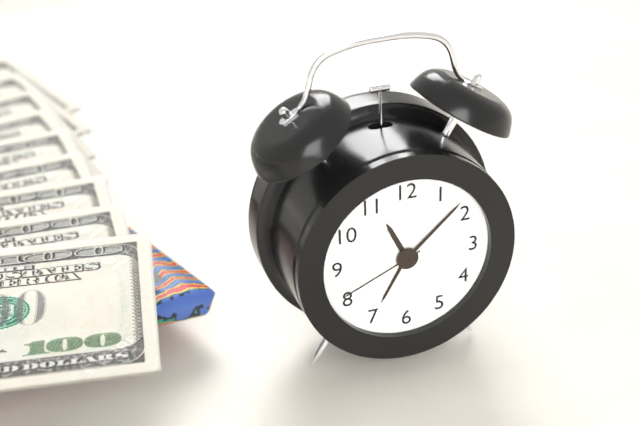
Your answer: 11 h 08 min 41 s
